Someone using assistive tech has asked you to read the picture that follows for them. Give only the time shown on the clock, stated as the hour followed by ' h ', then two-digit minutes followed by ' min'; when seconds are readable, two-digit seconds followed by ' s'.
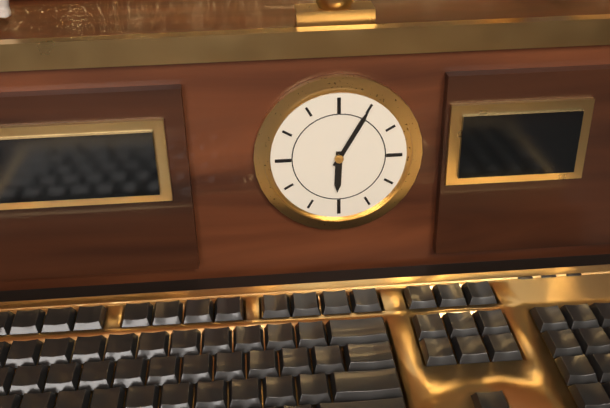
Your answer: 6 h 05 min
